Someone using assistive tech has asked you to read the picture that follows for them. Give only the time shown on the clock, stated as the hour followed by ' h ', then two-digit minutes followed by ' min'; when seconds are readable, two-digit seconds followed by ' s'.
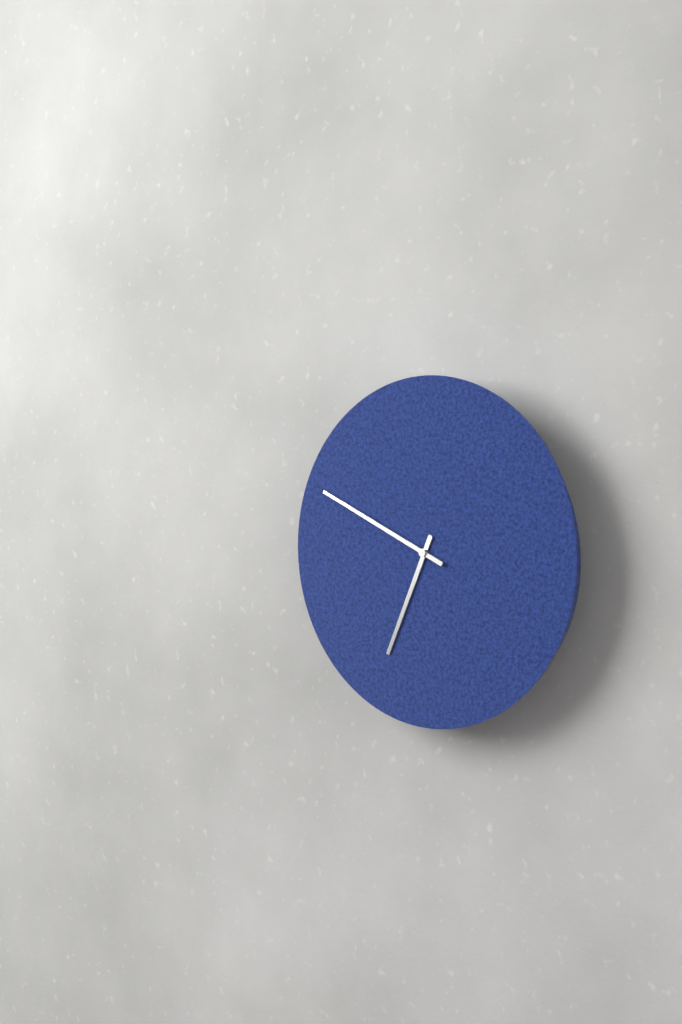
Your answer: 6 h 49 min
